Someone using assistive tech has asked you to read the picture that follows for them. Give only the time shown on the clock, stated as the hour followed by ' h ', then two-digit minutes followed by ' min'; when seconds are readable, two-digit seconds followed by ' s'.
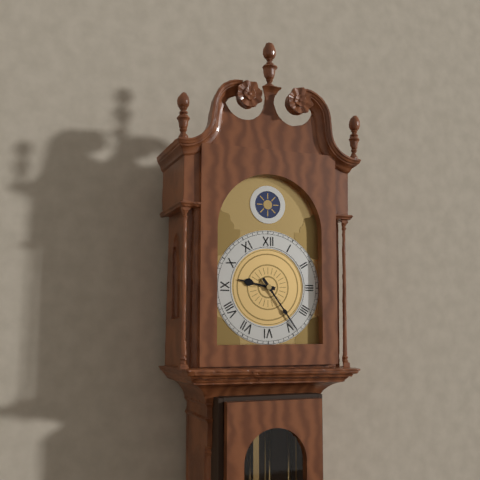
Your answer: 9 h 24 min
